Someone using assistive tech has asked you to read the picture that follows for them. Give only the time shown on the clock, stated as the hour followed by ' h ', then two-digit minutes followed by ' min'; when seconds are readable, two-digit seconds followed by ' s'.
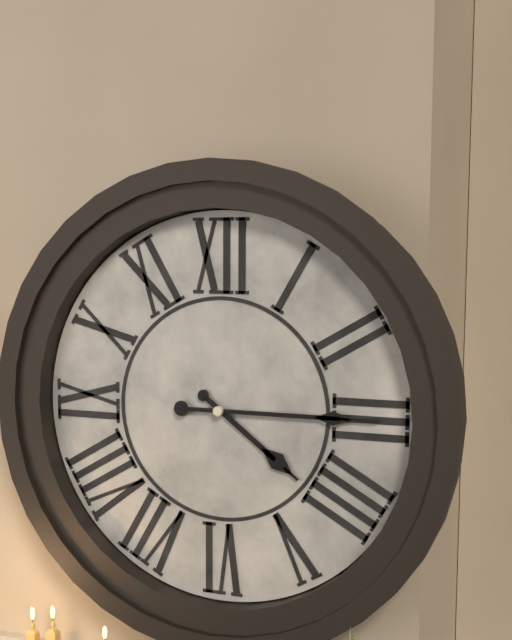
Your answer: 4 h 15 min
